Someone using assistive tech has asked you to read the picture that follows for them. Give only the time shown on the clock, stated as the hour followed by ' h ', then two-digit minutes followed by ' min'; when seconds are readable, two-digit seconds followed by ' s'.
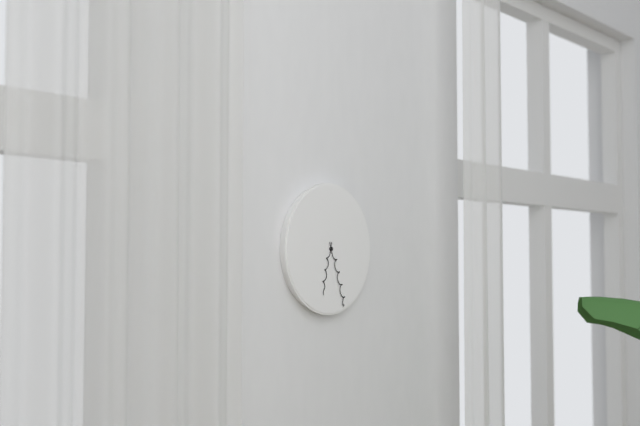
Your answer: 6 h 27 min
